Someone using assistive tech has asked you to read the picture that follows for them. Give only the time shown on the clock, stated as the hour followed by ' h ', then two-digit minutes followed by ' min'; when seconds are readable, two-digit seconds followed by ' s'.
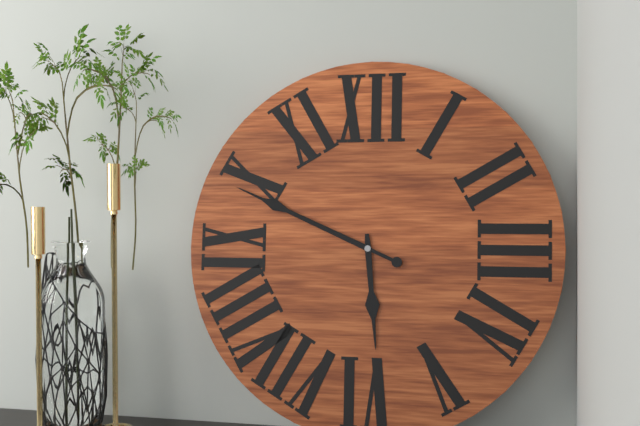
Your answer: 5 h 49 min
